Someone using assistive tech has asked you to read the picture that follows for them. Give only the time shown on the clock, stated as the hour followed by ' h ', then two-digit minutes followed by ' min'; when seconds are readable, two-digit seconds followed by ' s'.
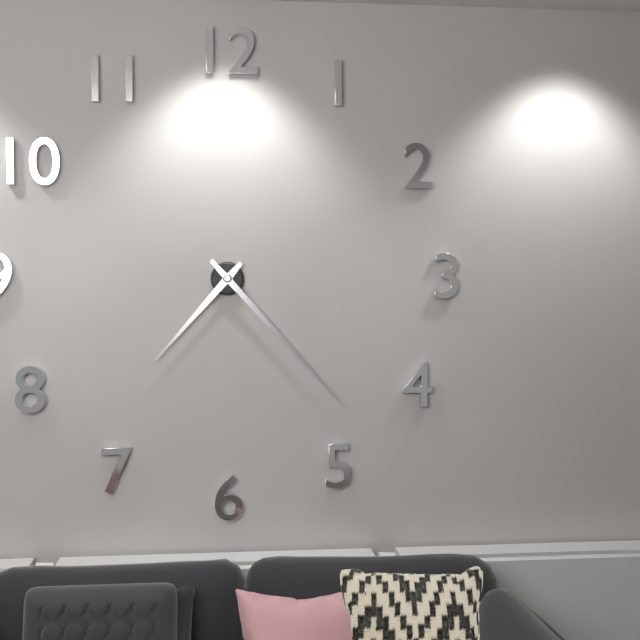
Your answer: 7 h 23 min
